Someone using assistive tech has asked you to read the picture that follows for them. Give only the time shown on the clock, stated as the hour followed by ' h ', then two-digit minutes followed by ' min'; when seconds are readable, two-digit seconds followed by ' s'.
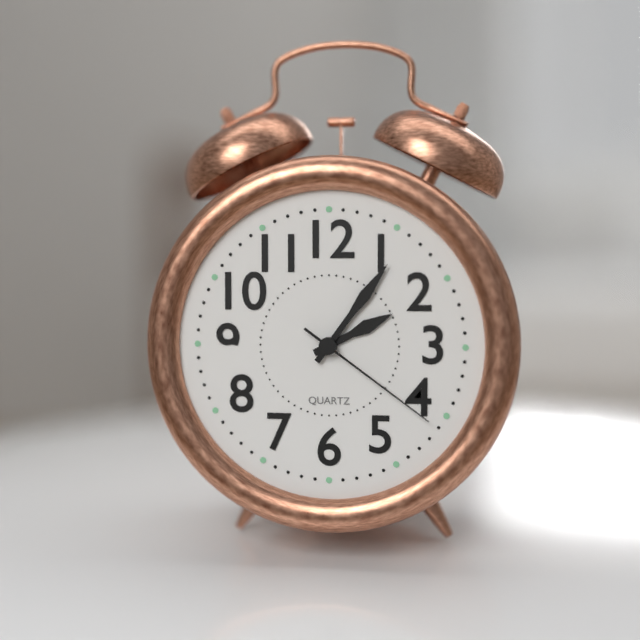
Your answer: 2 h 06 min 21 s
